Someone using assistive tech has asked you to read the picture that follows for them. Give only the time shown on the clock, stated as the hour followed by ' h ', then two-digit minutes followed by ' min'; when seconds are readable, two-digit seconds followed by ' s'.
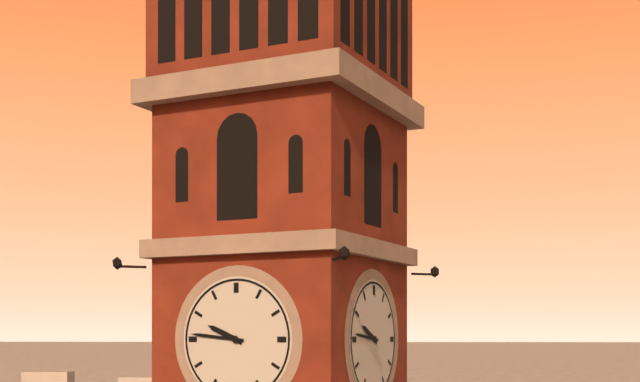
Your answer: 9 h 46 min
